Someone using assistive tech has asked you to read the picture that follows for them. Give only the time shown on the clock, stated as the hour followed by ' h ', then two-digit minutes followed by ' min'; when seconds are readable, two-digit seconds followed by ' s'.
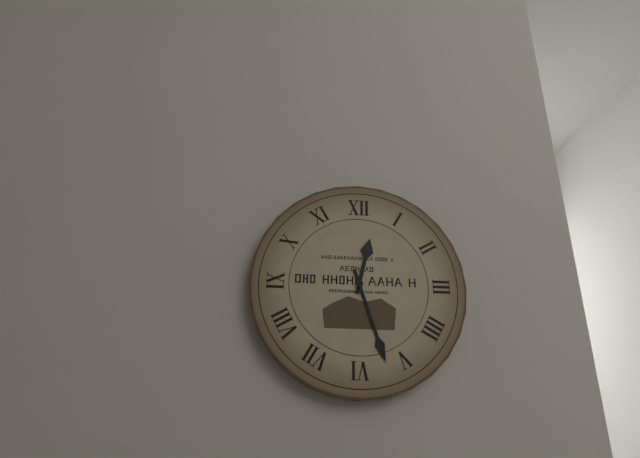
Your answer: 12 h 27 min
